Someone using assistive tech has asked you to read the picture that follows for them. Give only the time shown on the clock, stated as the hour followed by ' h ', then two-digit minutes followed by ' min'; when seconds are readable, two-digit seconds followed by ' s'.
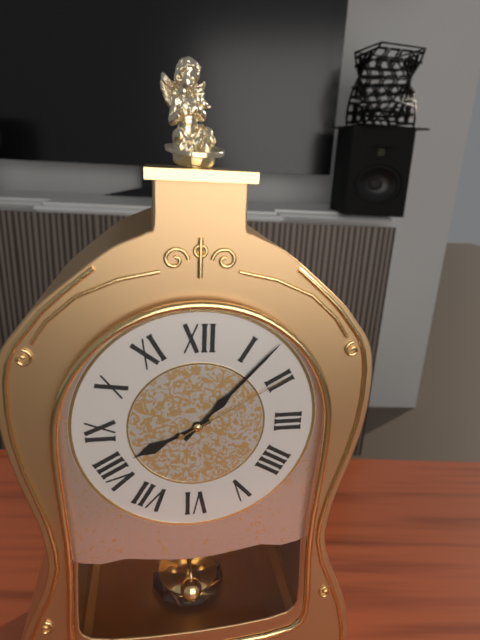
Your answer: 8 h 07 min 10 s
